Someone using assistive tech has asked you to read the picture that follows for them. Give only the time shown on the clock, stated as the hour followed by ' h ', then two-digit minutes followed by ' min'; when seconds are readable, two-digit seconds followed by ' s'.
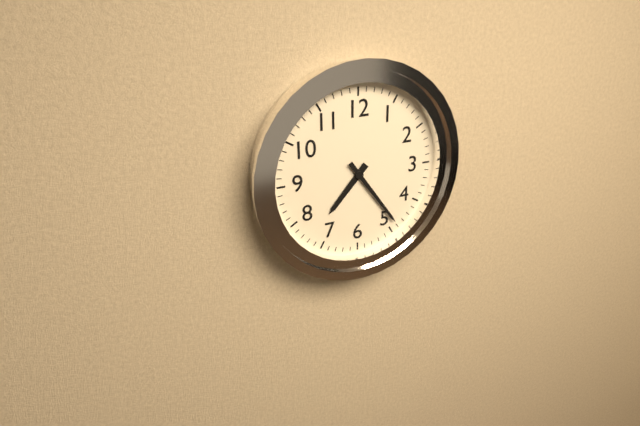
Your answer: 7 h 24 min
